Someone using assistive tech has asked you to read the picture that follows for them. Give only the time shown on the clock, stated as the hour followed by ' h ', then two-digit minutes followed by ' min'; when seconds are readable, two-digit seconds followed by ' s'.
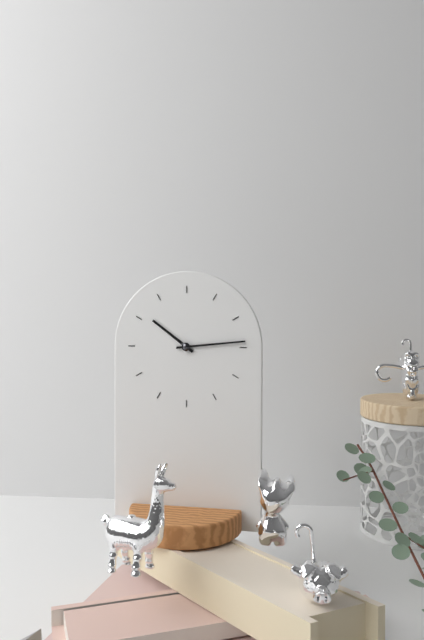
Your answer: 10 h 14 min
